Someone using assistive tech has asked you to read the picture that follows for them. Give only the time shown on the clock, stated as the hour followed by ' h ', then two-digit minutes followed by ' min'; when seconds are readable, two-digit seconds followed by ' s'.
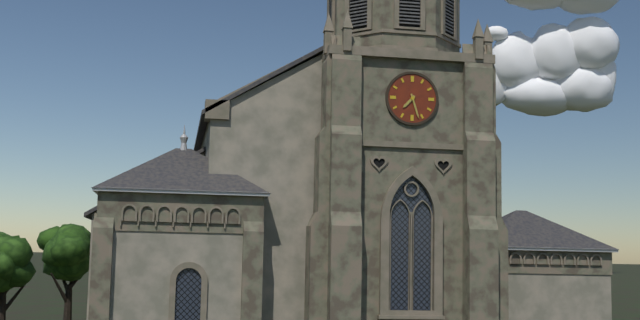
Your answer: 7 h 27 min
